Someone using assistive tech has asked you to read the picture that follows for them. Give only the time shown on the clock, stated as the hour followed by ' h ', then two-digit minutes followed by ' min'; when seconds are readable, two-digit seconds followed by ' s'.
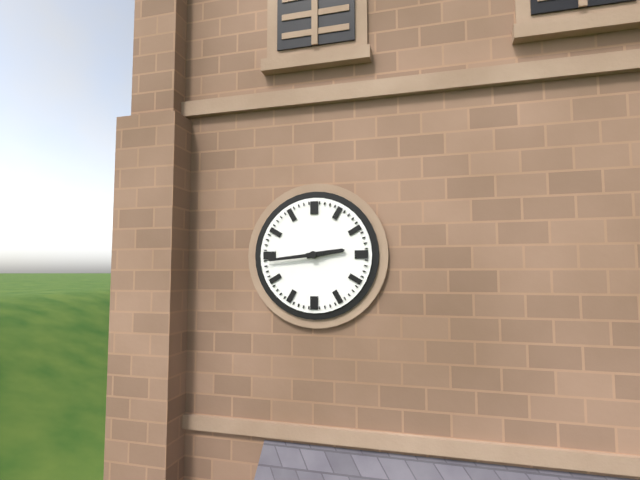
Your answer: 2 h 44 min
